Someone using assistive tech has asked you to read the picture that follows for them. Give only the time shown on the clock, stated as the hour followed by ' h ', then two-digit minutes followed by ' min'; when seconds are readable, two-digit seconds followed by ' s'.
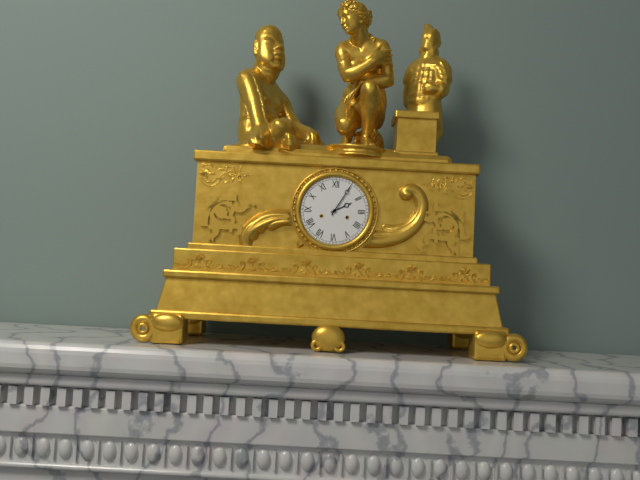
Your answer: 2 h 05 min
